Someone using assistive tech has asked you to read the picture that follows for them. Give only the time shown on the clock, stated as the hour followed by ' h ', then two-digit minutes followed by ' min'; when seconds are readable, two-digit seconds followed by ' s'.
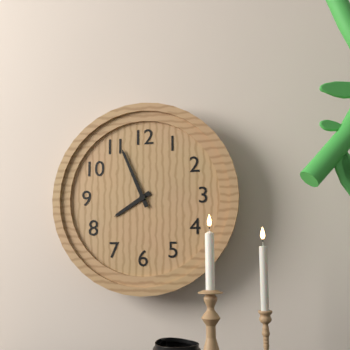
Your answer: 7 h 56 min
